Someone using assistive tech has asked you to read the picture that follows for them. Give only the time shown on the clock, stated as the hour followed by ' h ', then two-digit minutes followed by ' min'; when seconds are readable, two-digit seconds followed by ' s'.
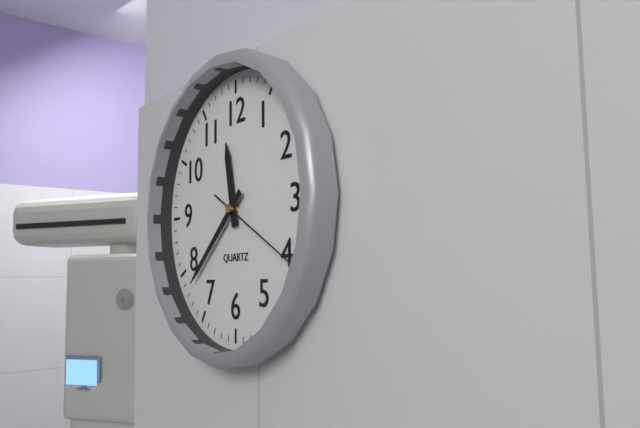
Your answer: 11 h 38 min 20 s
